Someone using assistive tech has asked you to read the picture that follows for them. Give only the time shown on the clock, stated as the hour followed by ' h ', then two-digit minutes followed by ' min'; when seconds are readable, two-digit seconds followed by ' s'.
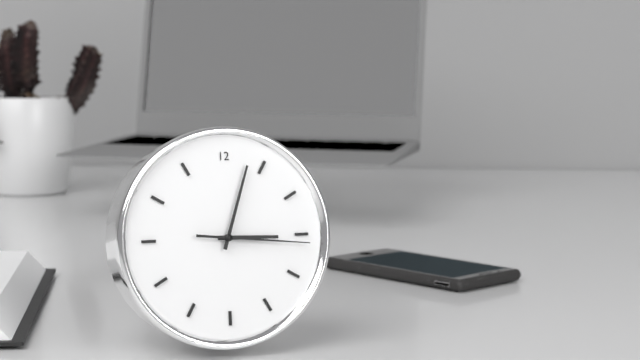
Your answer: 3 h 03 min 16 s
